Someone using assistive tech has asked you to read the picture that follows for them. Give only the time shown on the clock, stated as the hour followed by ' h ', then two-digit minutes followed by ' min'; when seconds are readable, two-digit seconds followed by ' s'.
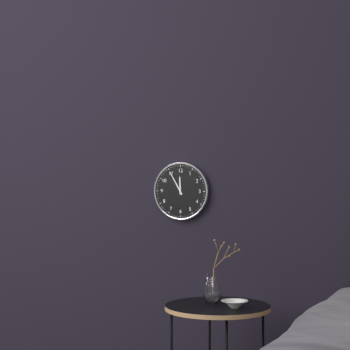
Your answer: 11 h 55 min
